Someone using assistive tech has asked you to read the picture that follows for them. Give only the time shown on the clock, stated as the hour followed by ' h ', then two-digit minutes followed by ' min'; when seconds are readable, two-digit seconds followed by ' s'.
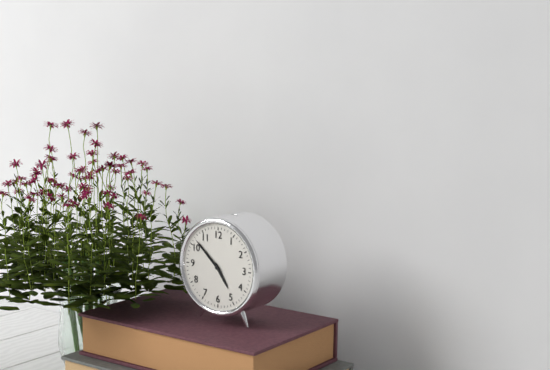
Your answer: 4 h 52 min
